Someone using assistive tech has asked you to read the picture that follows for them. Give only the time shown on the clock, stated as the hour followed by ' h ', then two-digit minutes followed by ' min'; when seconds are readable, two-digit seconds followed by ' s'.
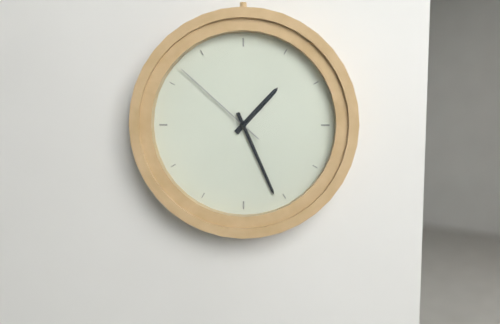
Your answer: 1 h 26 min 52 s
